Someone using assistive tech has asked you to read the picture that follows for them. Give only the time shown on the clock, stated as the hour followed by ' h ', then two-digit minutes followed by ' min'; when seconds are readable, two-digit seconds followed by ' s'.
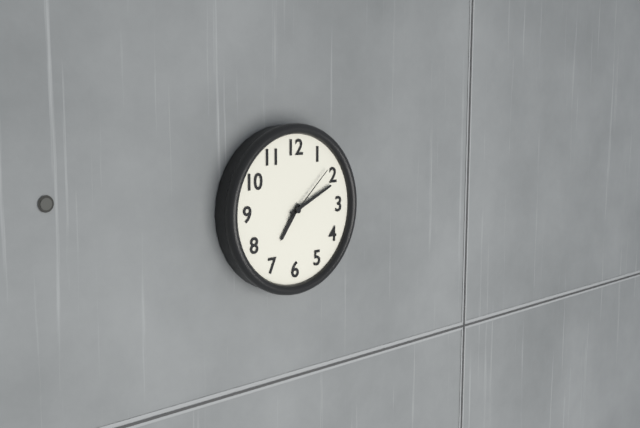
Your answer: 7 h 11 min 08 s
